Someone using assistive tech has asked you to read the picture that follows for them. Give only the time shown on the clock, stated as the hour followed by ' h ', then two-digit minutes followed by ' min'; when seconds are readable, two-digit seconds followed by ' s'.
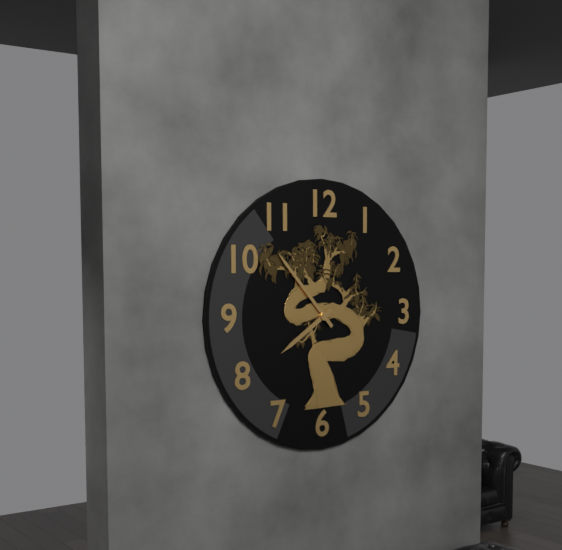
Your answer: 7 h 53 min
